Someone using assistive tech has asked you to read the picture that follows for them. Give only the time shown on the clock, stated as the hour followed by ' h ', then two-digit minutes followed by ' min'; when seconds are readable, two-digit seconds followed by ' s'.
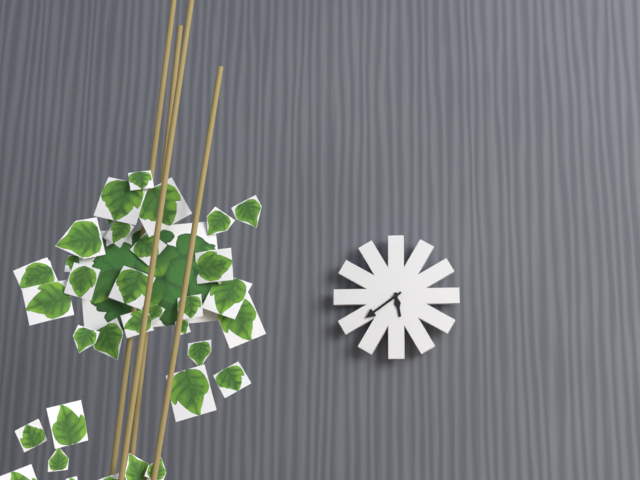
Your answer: 5 h 39 min
